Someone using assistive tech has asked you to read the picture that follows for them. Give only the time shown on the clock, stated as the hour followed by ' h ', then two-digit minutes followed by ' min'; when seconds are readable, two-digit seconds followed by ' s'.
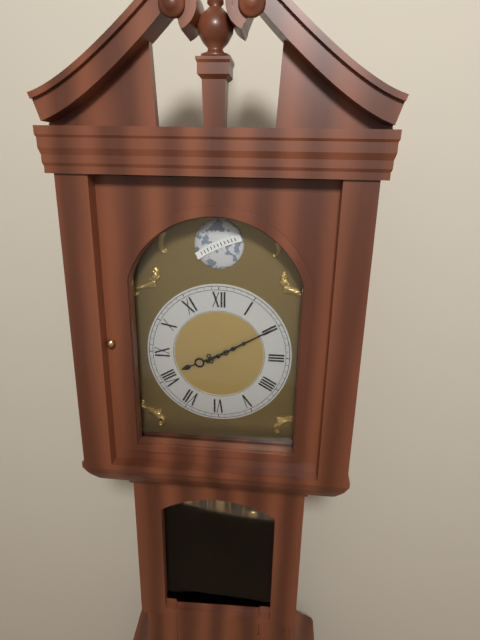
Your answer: 8 h 10 min
